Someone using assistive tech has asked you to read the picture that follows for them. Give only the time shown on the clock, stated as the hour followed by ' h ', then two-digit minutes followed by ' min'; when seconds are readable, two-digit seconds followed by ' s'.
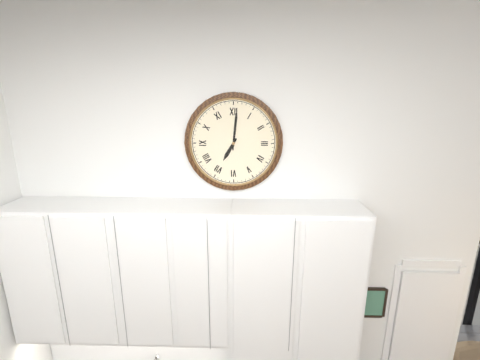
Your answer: 7 h 01 min
